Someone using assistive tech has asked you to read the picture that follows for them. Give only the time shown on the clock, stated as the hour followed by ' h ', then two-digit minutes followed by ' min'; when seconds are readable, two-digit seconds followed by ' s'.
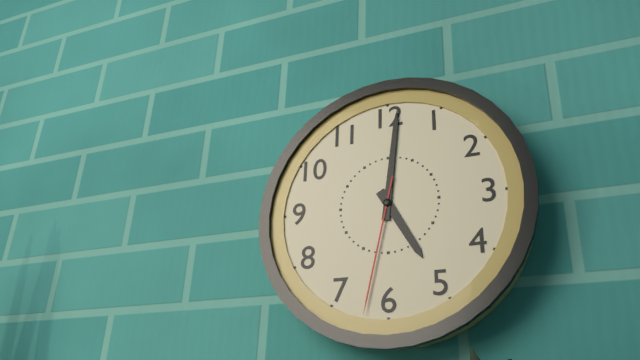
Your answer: 5 h 01 min 32 s
